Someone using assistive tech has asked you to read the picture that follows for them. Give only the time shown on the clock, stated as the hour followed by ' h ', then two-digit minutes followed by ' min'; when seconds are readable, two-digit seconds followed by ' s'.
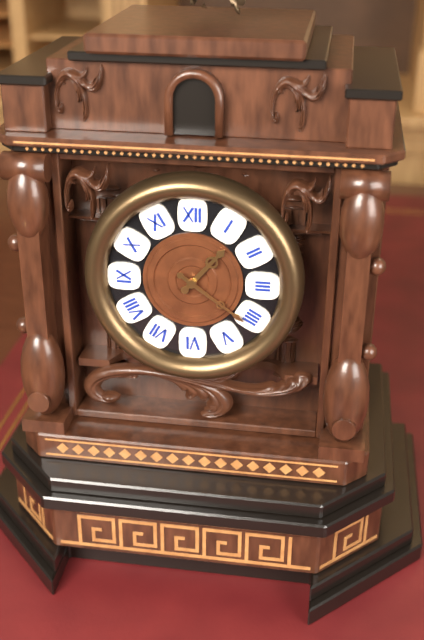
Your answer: 1 h 21 min
